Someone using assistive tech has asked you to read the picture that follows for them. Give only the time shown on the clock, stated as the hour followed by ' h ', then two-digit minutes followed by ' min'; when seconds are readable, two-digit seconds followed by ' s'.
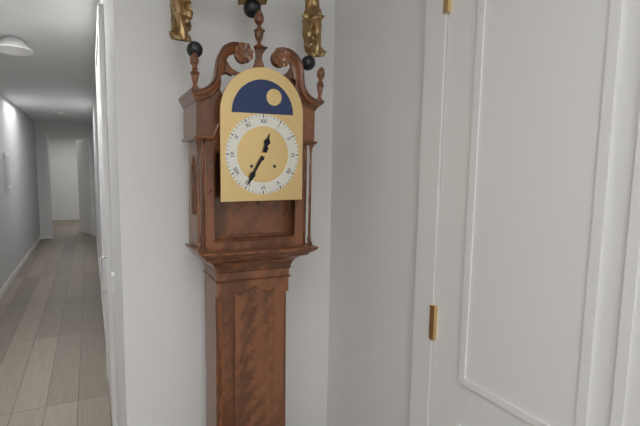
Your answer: 12 h 35 min
